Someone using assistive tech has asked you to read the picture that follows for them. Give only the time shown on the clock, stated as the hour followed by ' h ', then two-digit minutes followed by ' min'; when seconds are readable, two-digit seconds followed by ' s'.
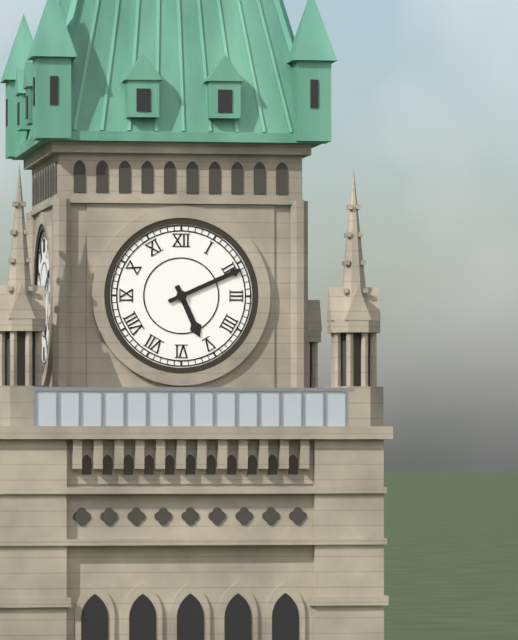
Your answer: 5 h 11 min
